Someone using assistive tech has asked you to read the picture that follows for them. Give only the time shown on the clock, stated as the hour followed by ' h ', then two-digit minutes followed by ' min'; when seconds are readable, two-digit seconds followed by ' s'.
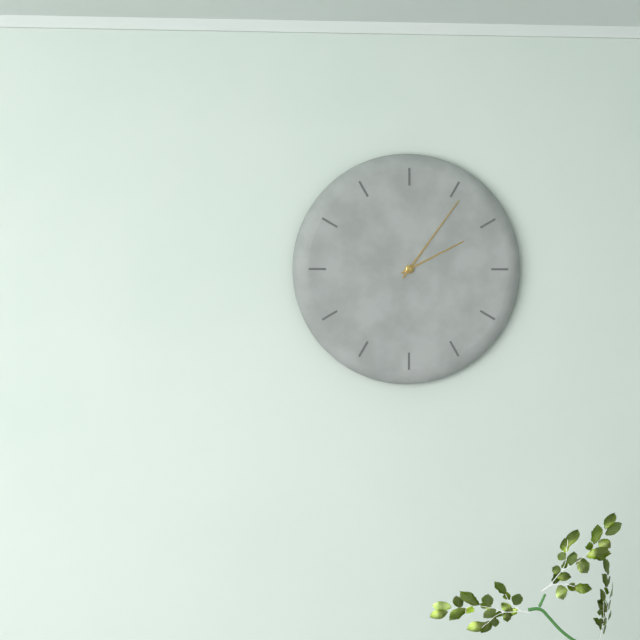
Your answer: 2 h 06 min
